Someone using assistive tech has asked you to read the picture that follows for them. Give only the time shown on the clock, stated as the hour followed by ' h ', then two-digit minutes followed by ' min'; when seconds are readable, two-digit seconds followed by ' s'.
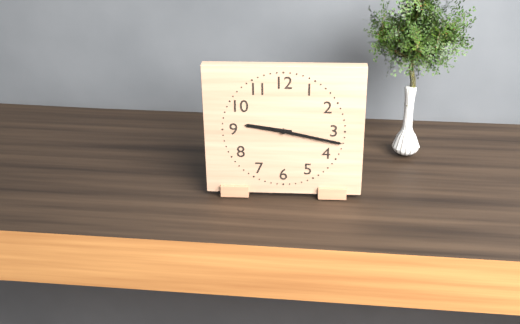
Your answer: 9 h 17 min
